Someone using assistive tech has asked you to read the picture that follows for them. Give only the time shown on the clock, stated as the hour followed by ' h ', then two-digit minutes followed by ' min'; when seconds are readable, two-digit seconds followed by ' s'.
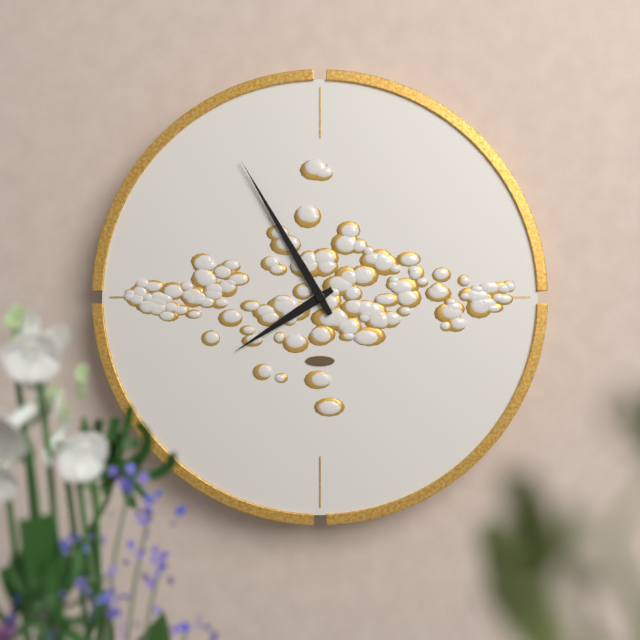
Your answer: 7 h 55 min
